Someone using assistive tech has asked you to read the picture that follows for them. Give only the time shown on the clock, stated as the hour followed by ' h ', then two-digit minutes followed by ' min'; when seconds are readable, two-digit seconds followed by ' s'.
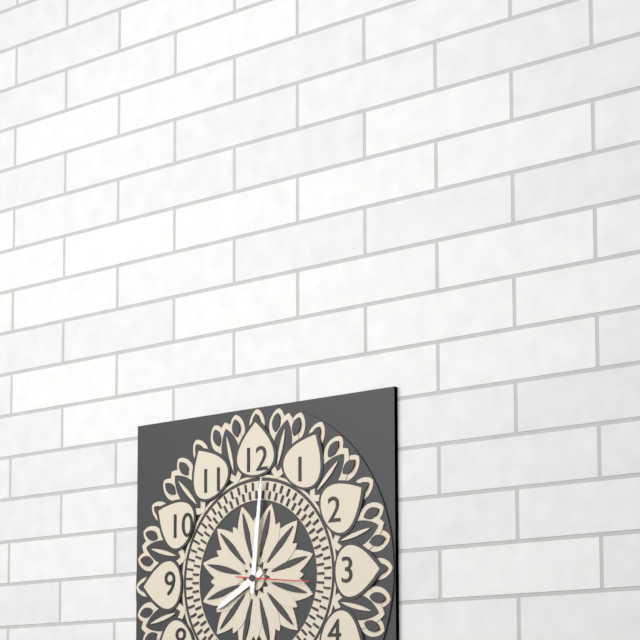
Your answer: 8 h 01 min 16 s
